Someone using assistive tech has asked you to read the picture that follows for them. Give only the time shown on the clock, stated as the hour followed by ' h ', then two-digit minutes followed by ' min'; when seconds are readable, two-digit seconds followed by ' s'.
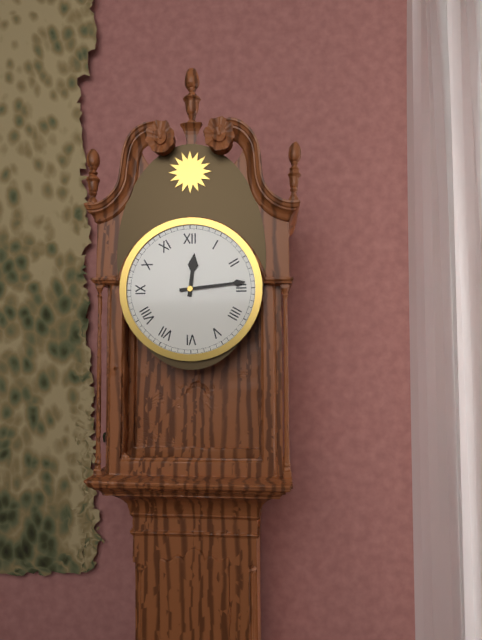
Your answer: 12 h 14 min
